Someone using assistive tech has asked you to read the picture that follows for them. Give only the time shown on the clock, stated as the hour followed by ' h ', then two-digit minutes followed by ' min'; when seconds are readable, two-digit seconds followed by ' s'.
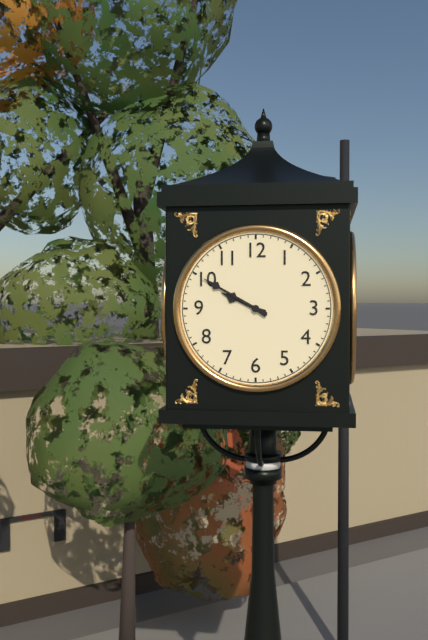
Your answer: 9 h 50 min
